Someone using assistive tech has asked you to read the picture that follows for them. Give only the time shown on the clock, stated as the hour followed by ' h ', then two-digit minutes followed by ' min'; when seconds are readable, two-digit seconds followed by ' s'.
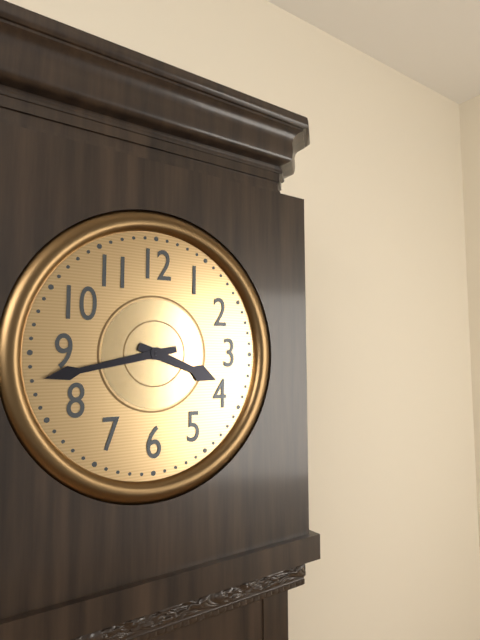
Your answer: 3 h 43 min
